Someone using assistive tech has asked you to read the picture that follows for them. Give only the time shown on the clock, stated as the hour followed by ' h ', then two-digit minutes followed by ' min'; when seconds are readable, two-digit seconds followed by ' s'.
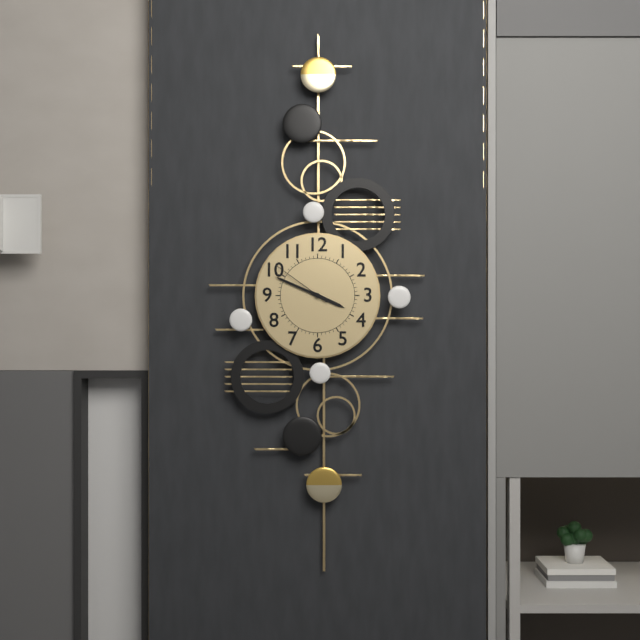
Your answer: 3 h 49 min 51 s
